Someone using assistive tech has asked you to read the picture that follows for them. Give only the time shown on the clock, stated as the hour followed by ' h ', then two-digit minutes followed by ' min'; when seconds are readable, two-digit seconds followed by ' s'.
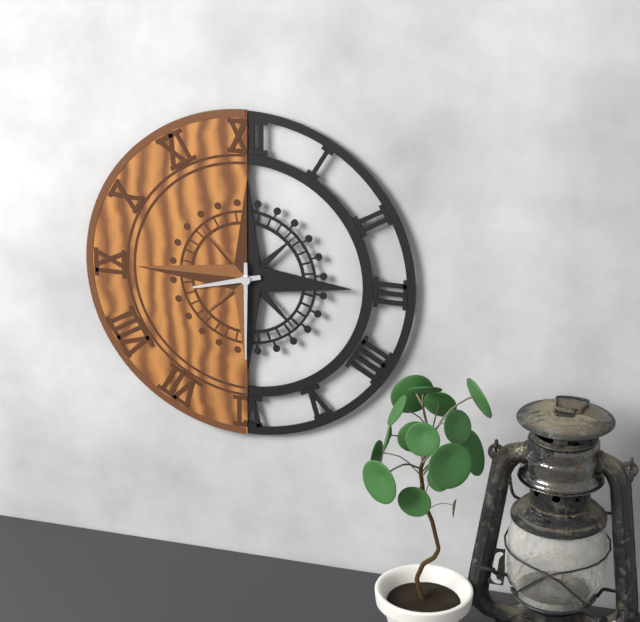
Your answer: 8 h 30 min
